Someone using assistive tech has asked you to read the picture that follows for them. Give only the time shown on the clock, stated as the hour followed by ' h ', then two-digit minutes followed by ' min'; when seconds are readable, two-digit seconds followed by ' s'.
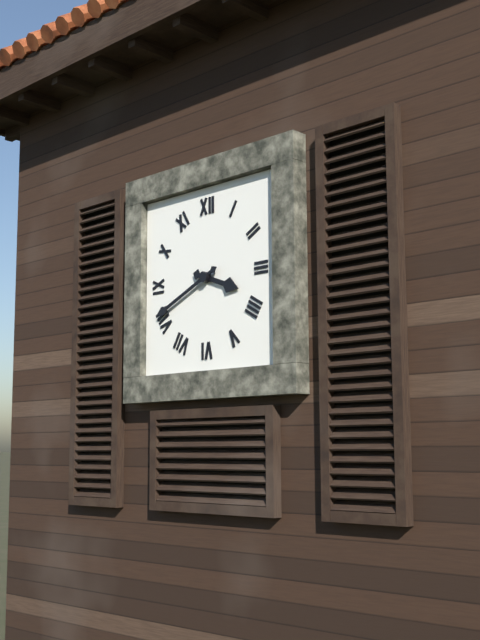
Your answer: 3 h 41 min
